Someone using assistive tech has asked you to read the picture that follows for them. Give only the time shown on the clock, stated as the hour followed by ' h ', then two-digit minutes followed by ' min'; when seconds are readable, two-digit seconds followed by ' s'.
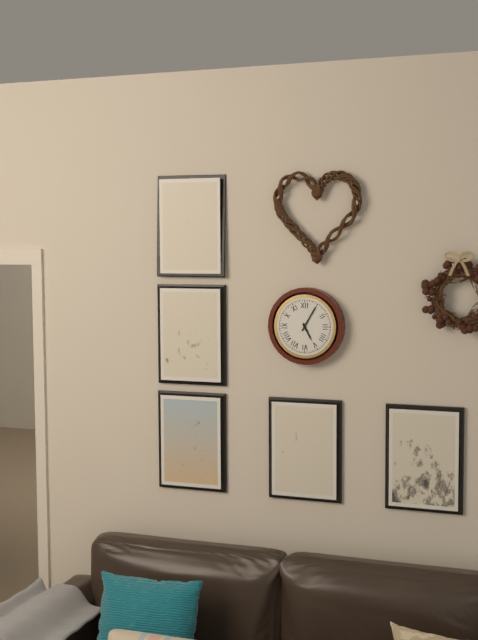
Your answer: 5 h 05 min
